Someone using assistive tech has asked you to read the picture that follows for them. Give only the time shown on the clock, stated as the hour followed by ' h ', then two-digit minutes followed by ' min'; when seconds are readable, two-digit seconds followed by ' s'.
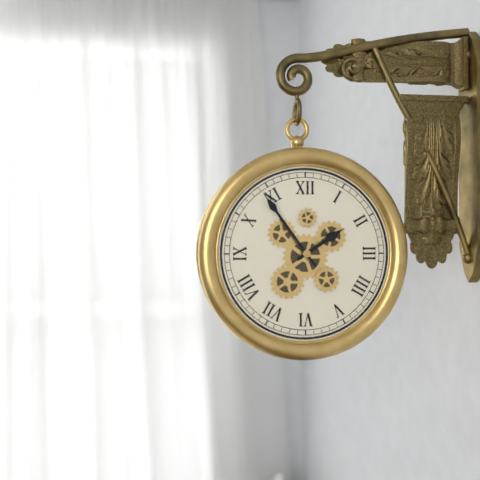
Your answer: 1 h 54 min
